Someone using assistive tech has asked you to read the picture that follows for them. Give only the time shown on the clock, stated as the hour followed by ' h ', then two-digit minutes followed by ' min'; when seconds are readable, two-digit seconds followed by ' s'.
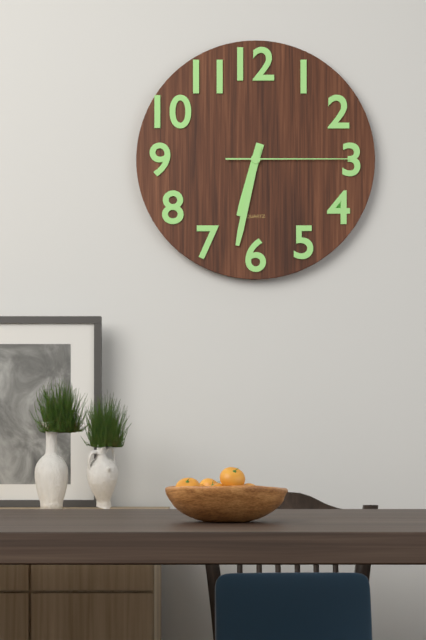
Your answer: 6 h 32 min 15 s
